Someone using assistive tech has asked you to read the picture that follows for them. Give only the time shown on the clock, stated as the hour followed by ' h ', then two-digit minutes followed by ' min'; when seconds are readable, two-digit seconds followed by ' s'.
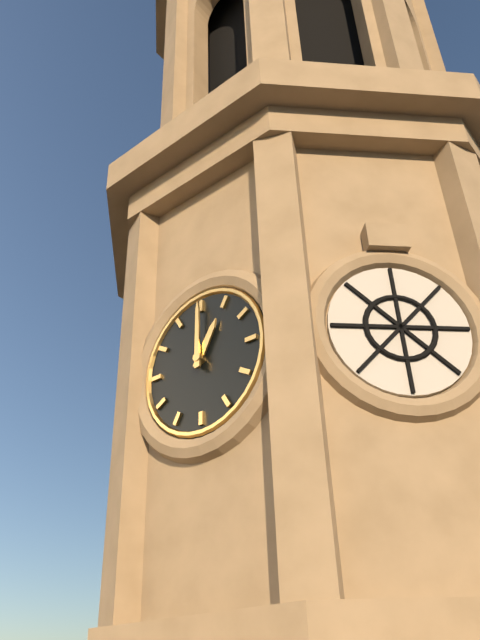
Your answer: 1 h 00 min
